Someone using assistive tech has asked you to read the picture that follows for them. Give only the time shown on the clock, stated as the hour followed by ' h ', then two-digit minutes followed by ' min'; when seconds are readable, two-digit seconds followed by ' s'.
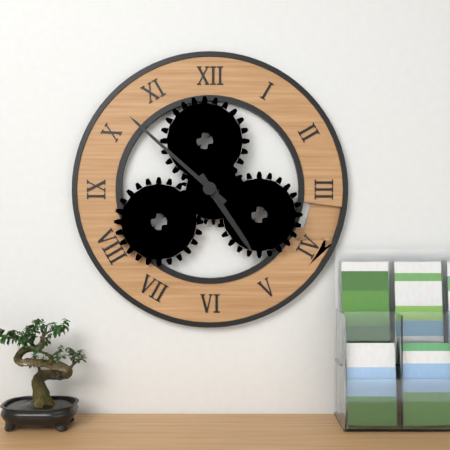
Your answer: 4 h 52 min
